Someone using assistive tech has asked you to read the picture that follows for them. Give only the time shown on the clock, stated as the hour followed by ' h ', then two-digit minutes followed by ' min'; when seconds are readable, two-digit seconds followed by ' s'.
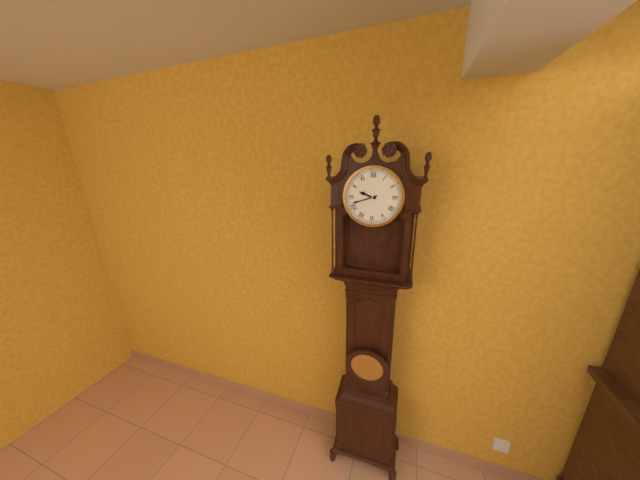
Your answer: 9 h 42 min
